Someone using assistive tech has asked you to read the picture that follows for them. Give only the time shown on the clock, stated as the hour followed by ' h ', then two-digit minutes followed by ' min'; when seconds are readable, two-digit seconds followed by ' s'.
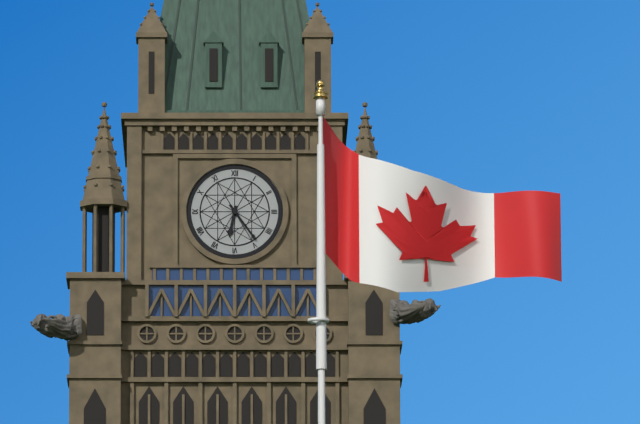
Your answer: 6 h 24 min
